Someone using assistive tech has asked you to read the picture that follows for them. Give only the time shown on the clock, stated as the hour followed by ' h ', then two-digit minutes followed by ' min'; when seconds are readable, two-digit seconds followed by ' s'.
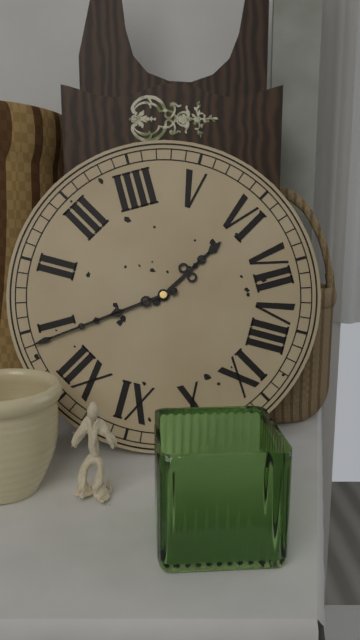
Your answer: 6 h 04 min
